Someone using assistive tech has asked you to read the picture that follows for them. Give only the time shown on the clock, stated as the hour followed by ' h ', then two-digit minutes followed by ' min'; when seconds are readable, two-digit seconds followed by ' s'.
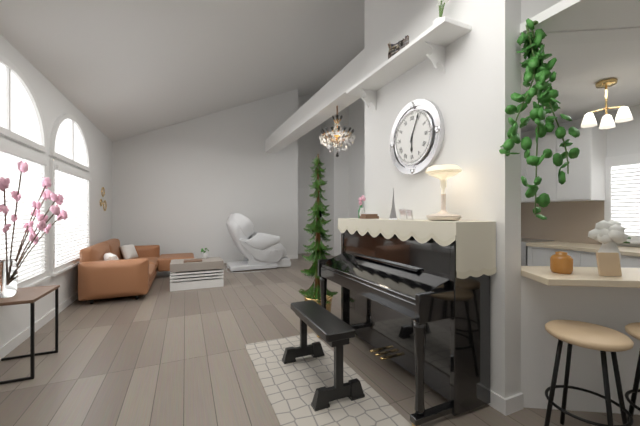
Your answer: 6 h 04 min
